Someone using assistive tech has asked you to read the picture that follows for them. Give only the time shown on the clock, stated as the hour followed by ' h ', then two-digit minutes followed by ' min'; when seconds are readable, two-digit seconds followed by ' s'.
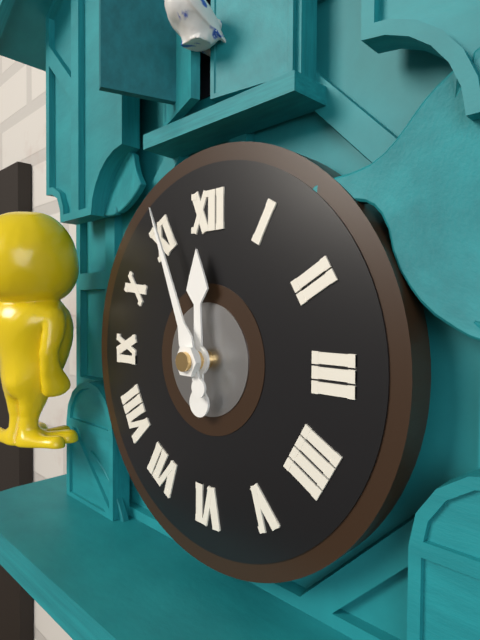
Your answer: 11 h 56 min
